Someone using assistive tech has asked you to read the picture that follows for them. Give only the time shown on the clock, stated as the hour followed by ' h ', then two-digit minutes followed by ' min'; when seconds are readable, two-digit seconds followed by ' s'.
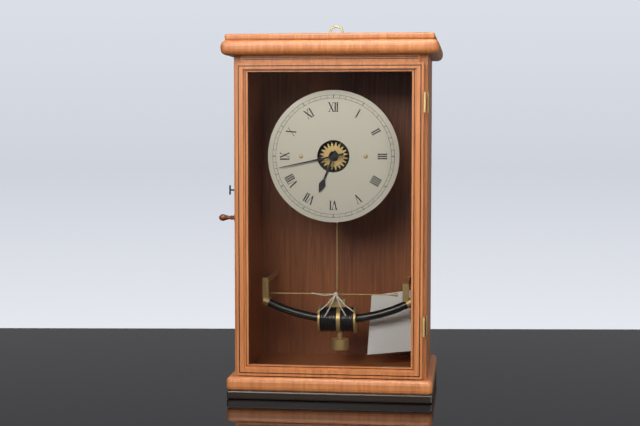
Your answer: 6 h 43 min
